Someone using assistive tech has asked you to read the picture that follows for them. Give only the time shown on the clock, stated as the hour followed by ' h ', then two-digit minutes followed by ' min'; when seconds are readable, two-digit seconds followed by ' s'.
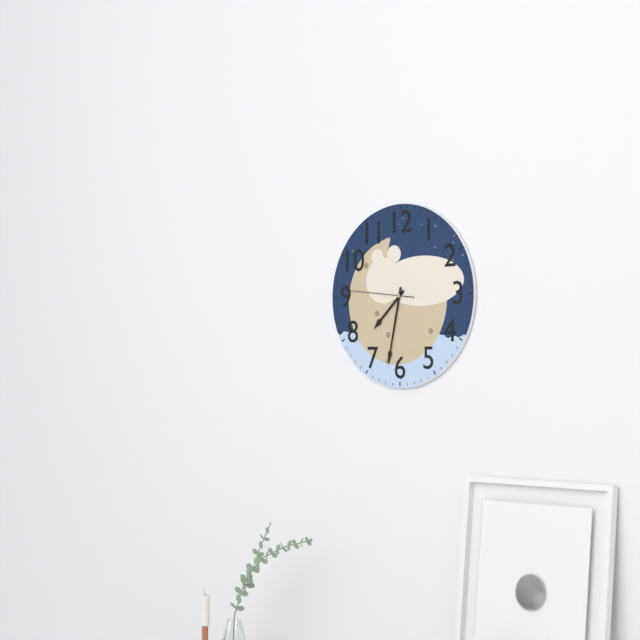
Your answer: 7 h 32 min 46 s
